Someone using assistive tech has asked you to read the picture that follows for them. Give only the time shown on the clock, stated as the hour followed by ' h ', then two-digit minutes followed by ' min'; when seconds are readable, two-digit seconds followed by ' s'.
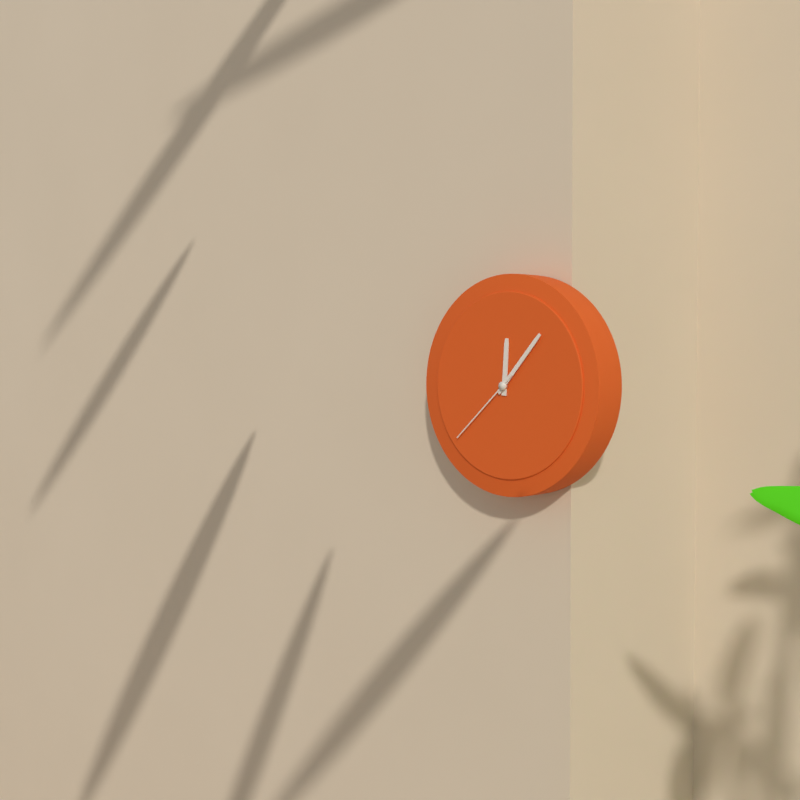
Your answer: 12 h 07 min 38 s
